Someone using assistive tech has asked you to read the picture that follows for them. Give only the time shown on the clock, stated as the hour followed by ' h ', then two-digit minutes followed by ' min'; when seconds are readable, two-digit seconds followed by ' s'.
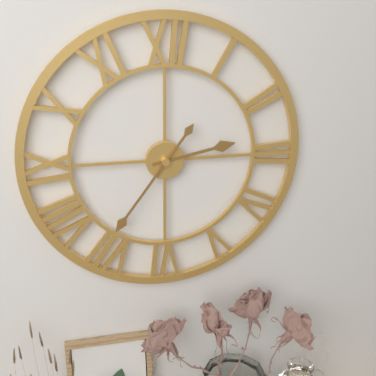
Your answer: 2 h 36 min
